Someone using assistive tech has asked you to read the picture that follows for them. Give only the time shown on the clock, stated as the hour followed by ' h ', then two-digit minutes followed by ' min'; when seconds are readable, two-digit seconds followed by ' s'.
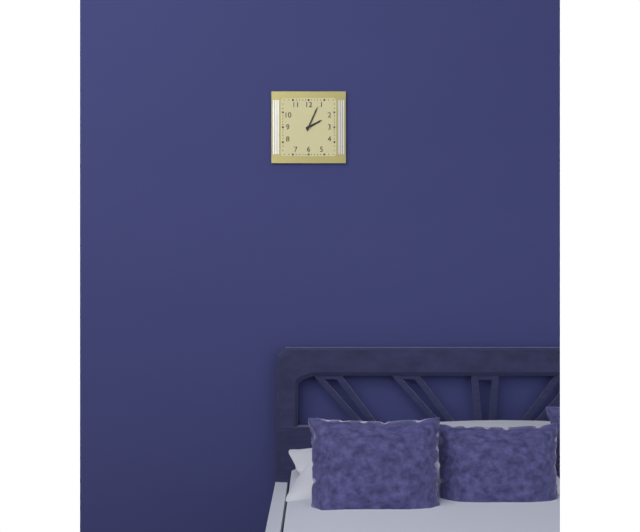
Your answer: 2 h 04 min
